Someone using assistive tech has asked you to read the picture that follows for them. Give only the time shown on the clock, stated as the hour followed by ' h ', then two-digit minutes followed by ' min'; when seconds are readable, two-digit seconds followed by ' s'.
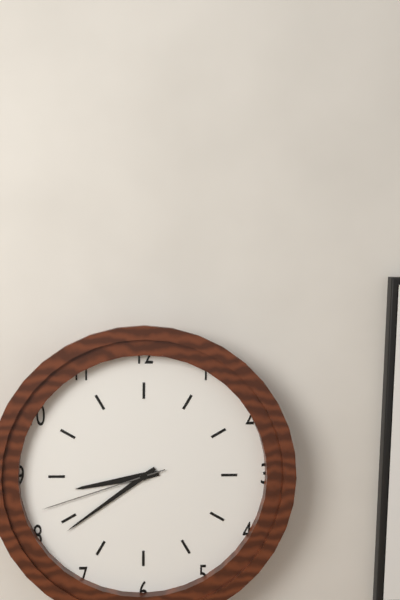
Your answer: 8 h 39 min 42 s
